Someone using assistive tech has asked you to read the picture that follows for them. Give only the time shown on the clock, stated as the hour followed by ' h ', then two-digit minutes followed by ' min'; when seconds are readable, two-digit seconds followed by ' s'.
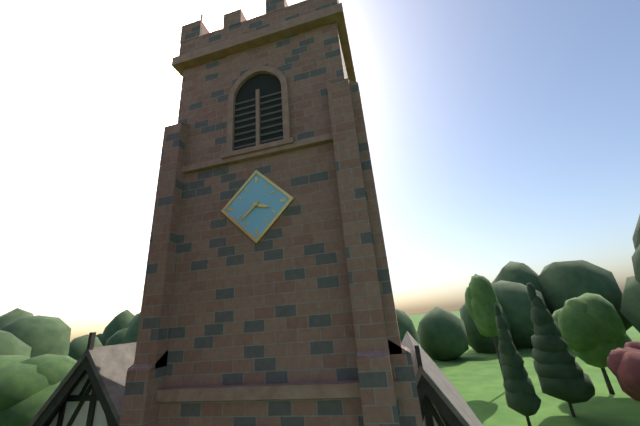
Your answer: 3 h 38 min
